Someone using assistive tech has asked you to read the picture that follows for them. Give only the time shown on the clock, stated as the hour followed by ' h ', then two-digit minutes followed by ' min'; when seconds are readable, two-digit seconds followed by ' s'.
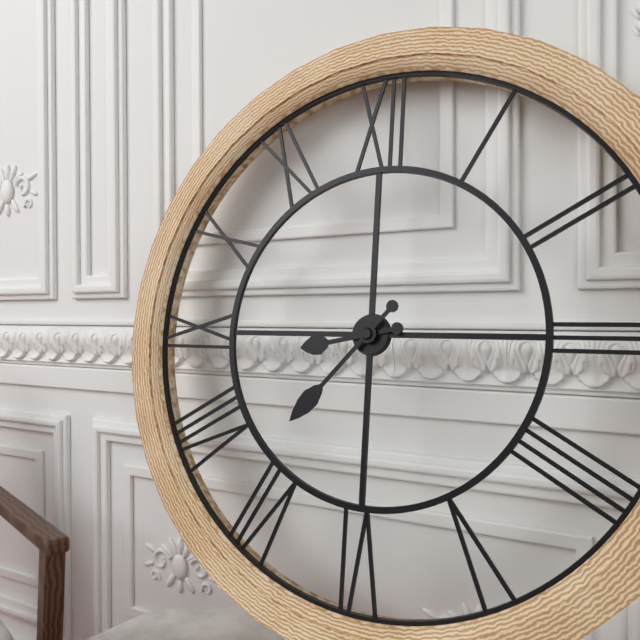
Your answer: 8 h 37 min
